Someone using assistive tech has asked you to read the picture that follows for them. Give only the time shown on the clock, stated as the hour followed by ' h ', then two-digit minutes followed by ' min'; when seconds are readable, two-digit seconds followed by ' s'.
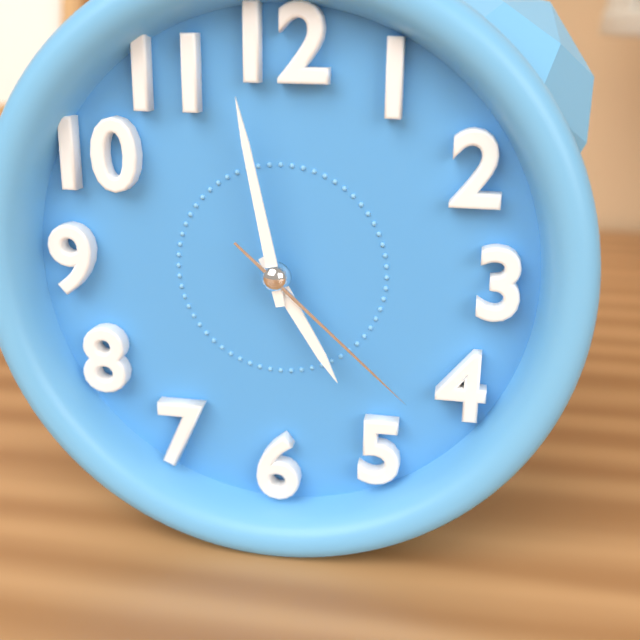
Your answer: 4 h 58 min 22 s
